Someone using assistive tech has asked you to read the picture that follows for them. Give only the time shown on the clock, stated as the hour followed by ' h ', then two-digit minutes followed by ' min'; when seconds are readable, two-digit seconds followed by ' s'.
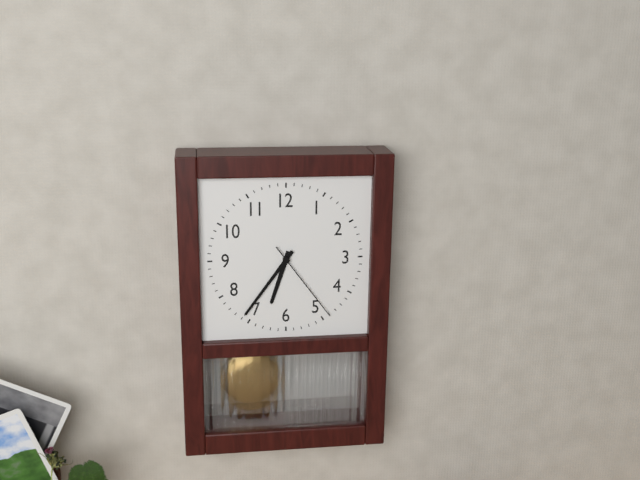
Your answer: 6 h 36 min 24 s
